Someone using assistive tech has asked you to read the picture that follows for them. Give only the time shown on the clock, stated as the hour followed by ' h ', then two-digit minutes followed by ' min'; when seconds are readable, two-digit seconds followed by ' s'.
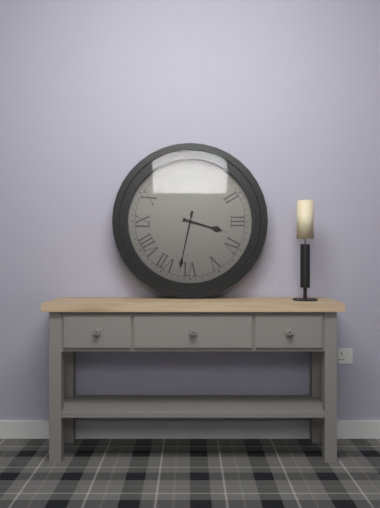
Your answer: 3 h 32 min
